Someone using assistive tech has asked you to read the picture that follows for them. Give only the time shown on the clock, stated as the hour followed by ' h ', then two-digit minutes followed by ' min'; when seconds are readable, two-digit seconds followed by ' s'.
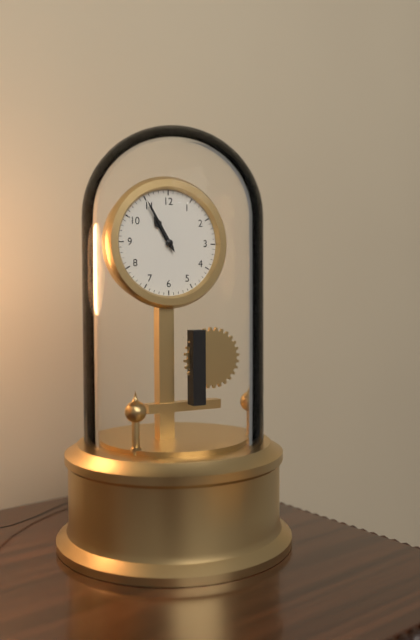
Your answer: 10 h 55 min
